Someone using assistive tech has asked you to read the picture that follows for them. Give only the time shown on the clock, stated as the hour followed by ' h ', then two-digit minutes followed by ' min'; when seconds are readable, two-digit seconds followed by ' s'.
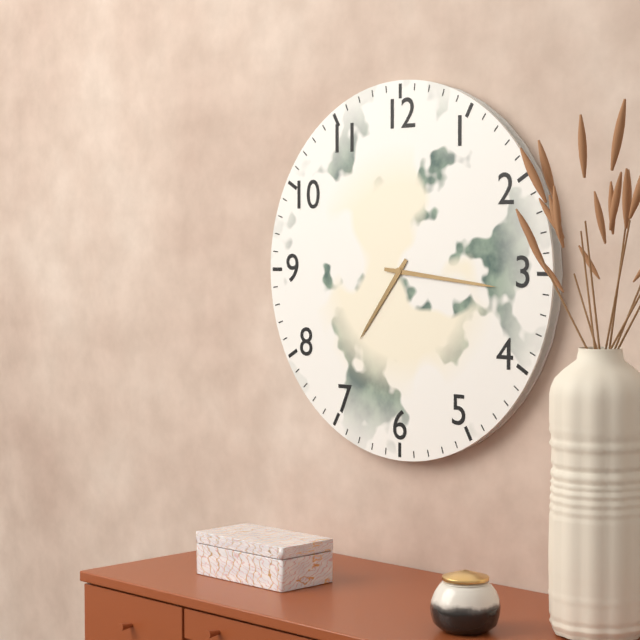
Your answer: 7 h 16 min
